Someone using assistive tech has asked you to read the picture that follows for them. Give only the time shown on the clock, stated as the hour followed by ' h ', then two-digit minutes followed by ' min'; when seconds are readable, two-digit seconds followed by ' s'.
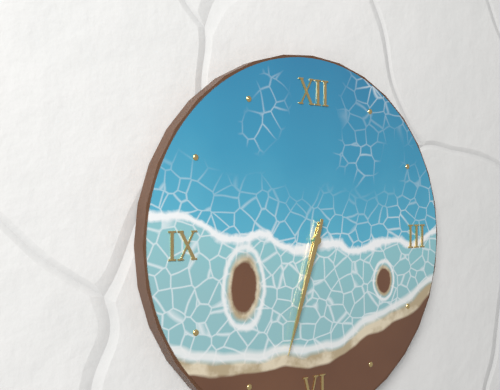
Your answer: 6 h 33 min
